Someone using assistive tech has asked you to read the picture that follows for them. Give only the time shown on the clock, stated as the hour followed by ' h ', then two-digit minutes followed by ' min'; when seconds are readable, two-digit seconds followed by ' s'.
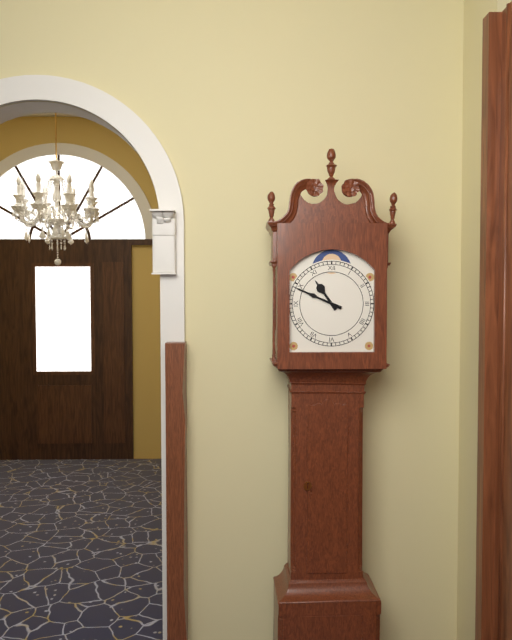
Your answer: 10 h 49 min
